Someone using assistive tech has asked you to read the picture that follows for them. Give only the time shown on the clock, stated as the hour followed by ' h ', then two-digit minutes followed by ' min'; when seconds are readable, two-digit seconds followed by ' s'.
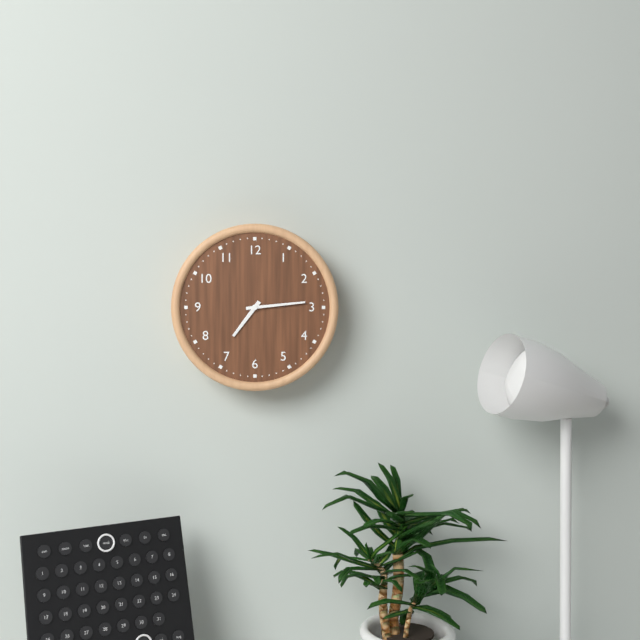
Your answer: 7 h 14 min
